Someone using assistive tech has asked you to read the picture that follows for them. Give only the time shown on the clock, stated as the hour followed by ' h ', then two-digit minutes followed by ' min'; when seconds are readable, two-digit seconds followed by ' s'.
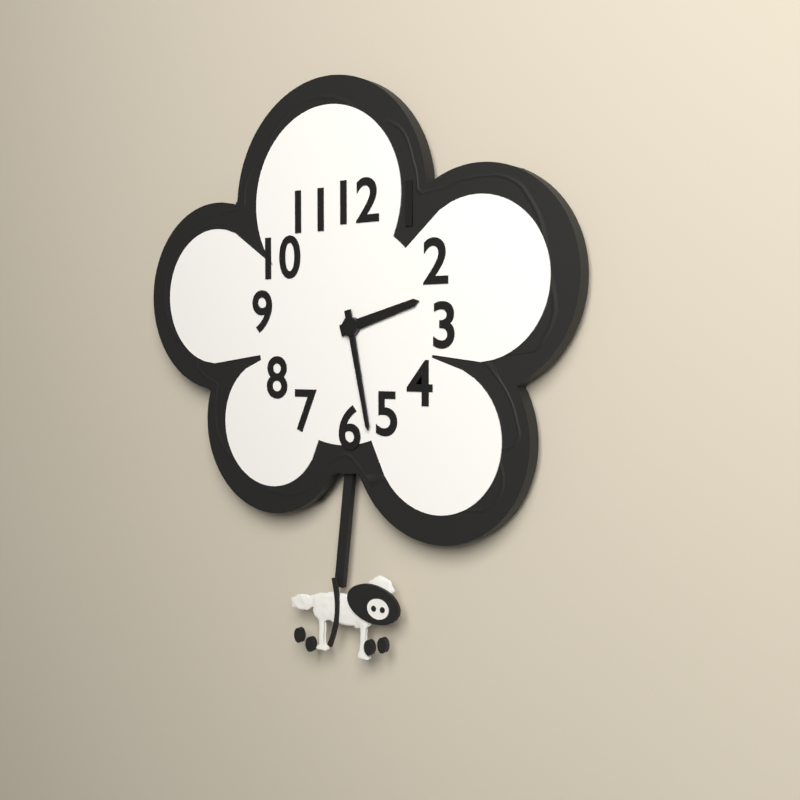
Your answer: 2 h 28 min
